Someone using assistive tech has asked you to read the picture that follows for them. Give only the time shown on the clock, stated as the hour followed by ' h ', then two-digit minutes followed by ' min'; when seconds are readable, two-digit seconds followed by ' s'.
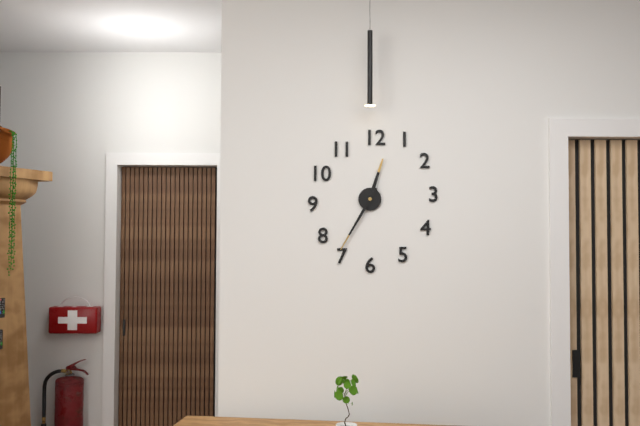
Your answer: 12 h 35 min
